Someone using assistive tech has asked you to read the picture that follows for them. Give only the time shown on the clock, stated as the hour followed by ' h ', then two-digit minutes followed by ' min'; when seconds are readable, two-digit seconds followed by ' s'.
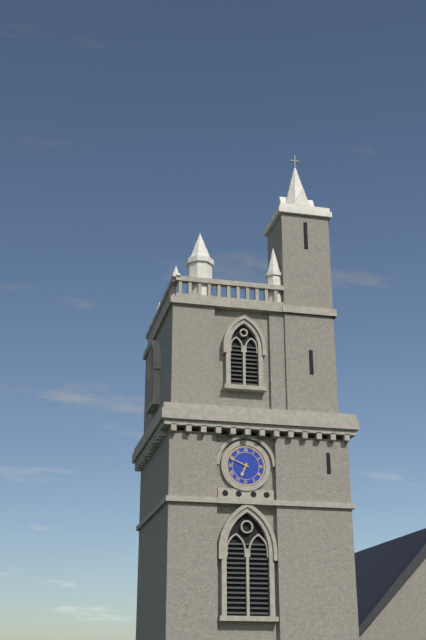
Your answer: 6 h 49 min
